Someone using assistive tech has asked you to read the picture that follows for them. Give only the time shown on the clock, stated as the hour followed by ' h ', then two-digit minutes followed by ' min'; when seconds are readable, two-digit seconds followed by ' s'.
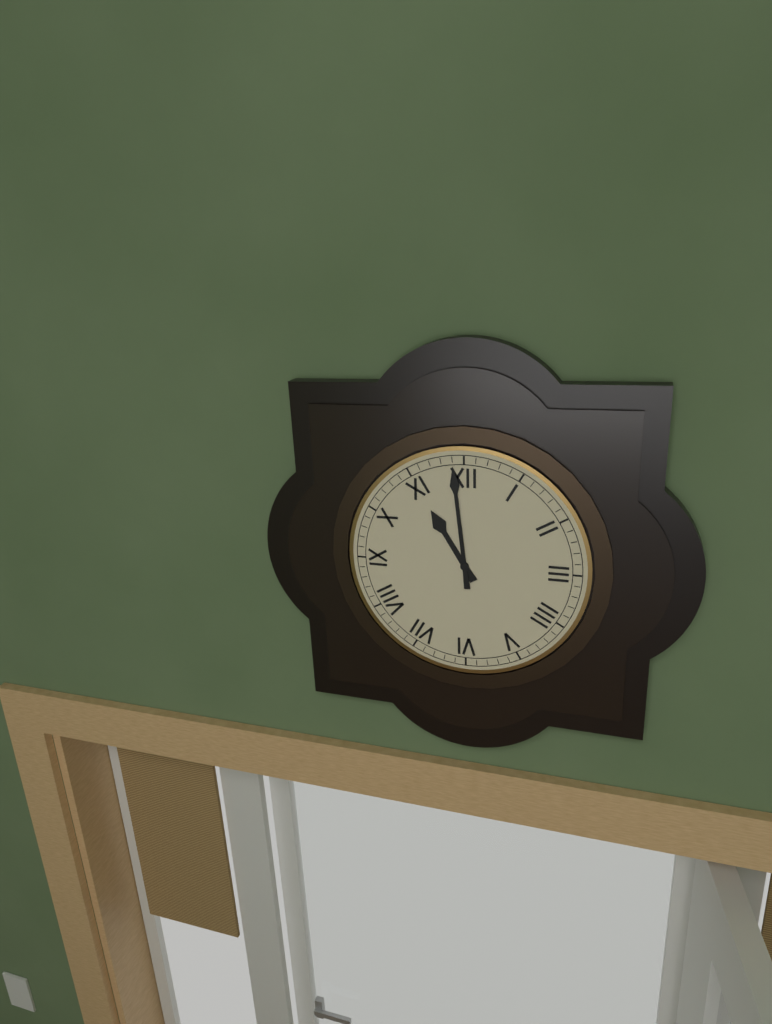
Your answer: 10 h 59 min
